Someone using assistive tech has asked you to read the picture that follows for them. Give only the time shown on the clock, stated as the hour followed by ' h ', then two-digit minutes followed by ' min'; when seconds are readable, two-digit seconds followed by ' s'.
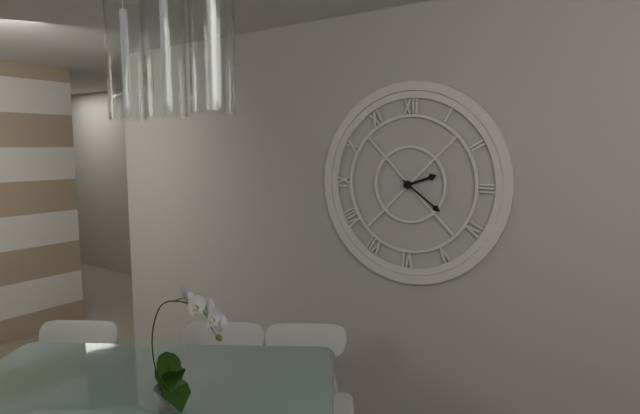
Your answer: 2 h 21 min
